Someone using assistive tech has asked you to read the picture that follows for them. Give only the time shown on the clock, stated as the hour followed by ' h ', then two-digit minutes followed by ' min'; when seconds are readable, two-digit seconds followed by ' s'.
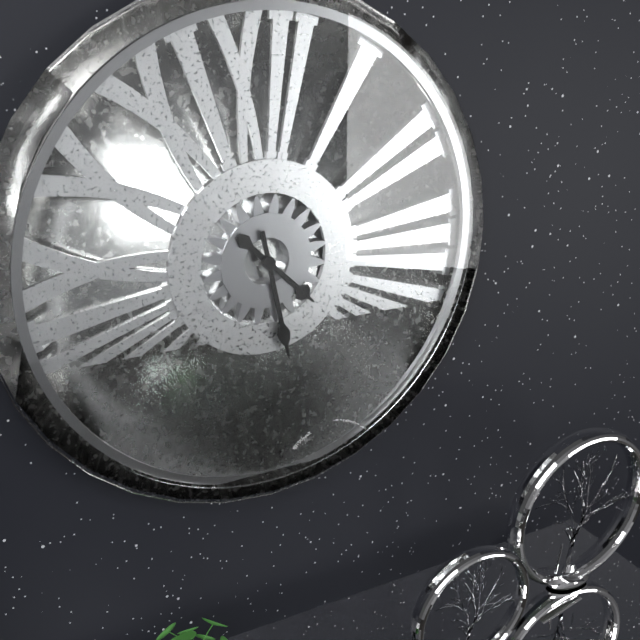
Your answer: 4 h 28 min
